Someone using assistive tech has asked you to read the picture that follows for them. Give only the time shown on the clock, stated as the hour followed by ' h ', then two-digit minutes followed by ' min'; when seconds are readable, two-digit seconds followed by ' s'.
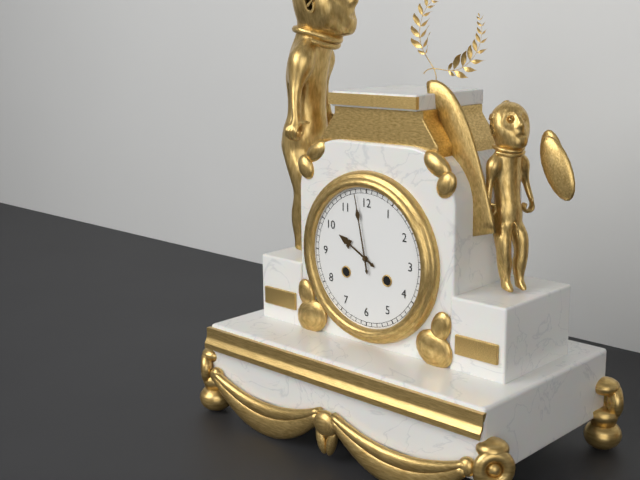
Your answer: 9 h 58 min
